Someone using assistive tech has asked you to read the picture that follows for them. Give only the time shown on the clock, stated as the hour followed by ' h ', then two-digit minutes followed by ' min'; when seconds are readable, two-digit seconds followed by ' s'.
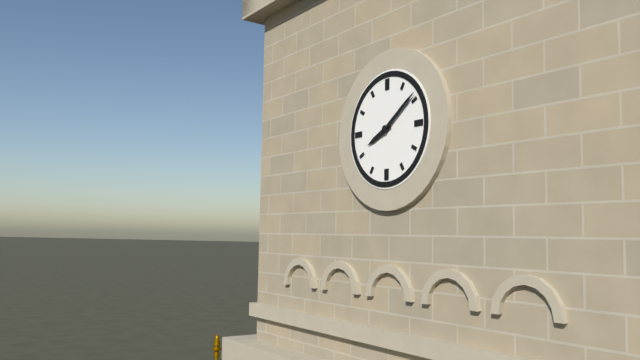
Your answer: 8 h 09 min
